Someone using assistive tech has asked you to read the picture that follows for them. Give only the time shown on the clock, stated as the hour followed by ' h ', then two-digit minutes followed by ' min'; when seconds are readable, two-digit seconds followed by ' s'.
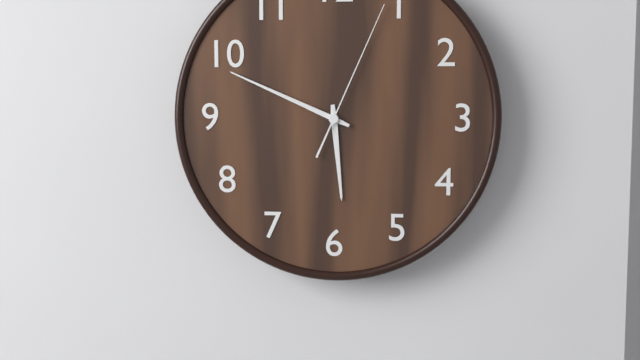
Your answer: 5 h 49 min 04 s
